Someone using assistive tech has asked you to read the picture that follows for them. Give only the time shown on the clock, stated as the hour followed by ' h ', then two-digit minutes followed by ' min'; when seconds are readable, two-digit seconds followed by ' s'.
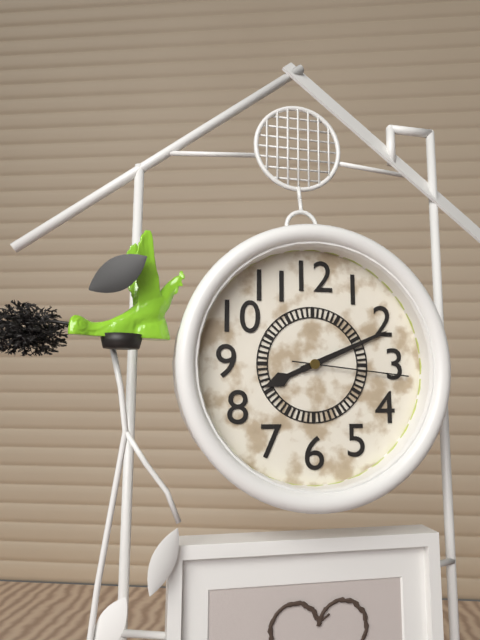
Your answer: 8 h 11 min 16 s
